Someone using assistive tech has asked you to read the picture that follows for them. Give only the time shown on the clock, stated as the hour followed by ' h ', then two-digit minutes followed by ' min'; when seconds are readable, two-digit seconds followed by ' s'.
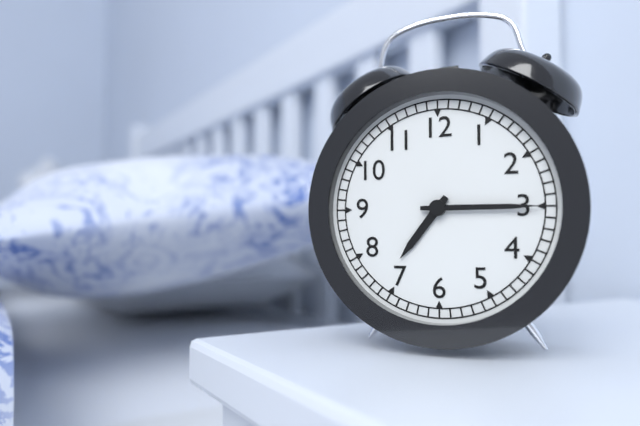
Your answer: 7 h 15 min
